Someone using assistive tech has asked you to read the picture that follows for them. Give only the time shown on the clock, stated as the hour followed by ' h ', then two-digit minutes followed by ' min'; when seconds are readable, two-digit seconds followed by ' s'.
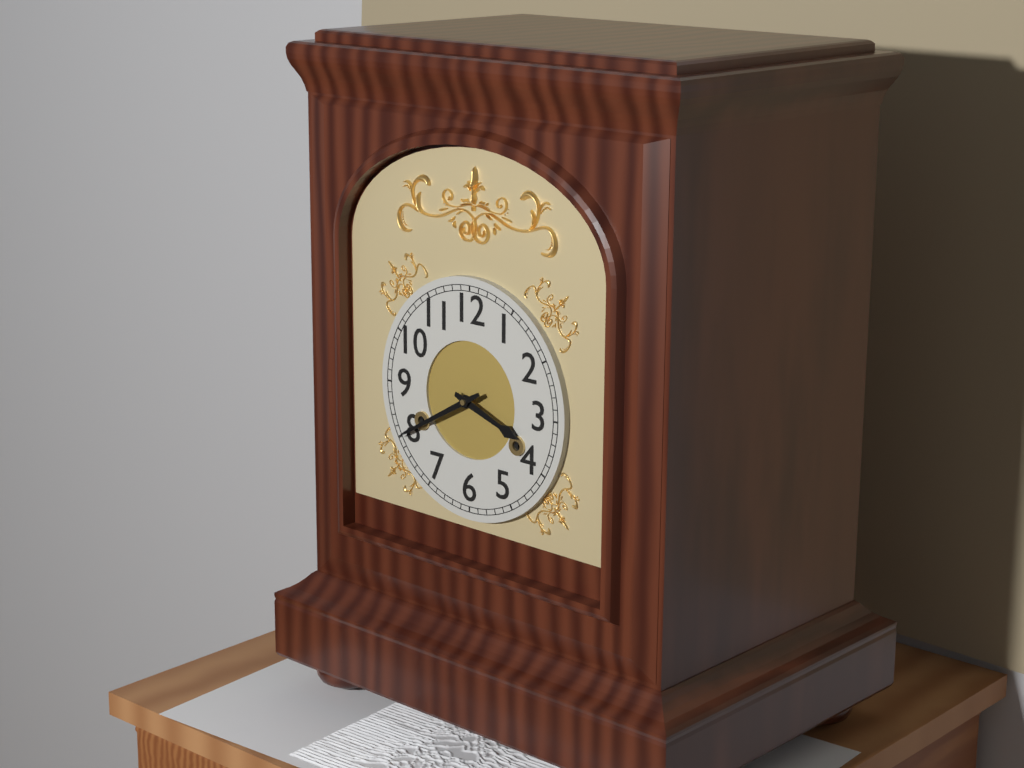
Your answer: 3 h 40 min
